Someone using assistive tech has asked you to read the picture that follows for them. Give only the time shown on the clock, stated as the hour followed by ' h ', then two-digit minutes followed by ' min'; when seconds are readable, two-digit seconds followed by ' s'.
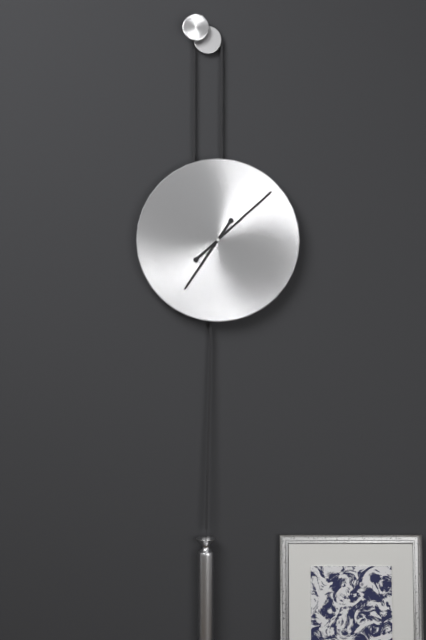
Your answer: 7 h 08 min
